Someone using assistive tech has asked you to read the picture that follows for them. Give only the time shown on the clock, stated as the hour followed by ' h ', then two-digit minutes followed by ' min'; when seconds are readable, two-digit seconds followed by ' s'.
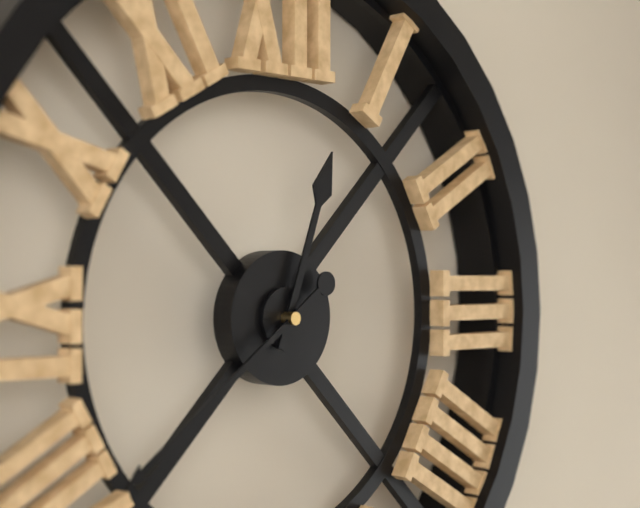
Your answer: 12 h 39 min
